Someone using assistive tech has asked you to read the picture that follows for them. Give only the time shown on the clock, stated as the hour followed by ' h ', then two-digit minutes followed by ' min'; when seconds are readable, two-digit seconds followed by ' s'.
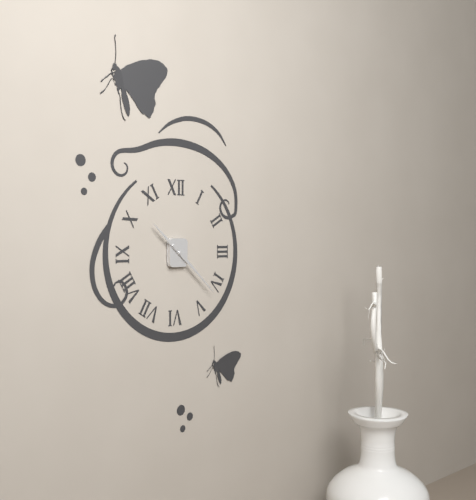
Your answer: 10 h 22 min
